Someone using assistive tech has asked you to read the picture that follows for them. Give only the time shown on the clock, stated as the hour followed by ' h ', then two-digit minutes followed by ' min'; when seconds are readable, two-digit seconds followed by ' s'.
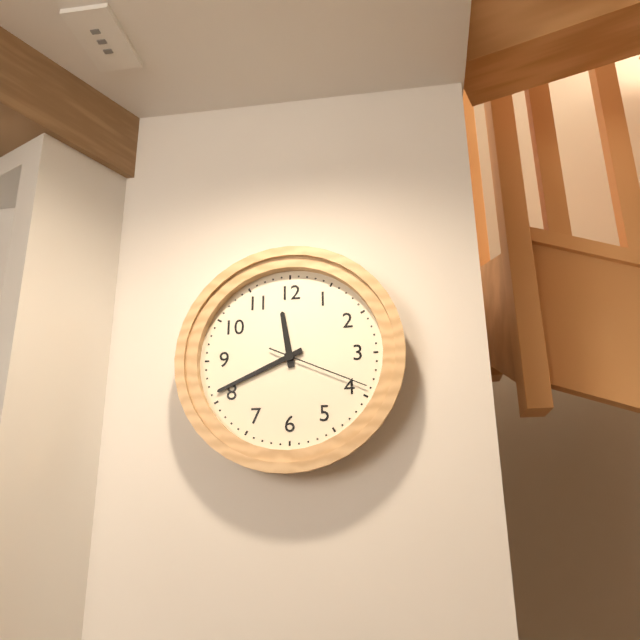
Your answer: 11 h 41 min 19 s
